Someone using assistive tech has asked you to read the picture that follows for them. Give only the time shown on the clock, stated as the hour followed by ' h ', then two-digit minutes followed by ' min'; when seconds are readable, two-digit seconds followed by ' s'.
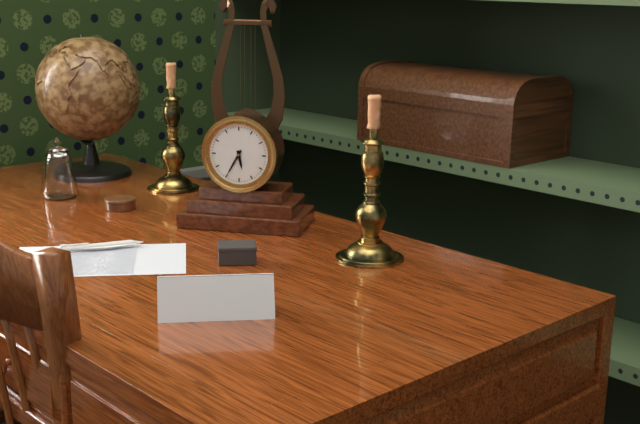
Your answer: 5 h 35 min
